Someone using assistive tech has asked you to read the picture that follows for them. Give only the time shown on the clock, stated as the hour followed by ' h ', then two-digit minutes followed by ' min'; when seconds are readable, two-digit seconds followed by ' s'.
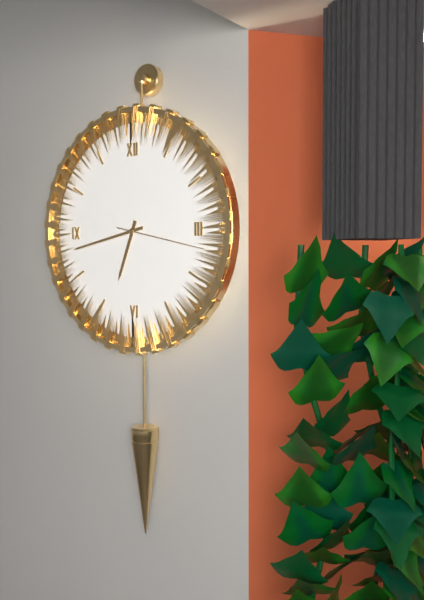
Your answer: 6 h 43 min 17 s
